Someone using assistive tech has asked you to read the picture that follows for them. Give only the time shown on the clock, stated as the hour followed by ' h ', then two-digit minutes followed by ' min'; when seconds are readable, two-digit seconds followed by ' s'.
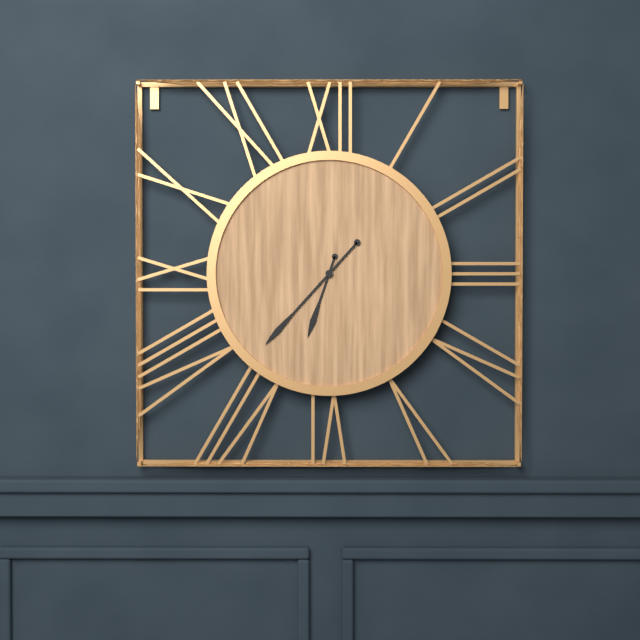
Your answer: 6 h 37 min
